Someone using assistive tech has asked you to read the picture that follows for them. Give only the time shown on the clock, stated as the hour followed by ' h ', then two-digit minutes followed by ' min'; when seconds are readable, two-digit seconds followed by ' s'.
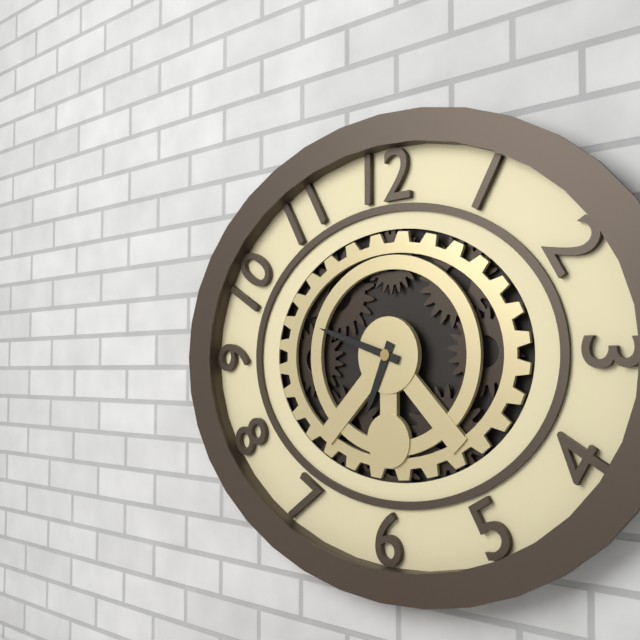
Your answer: 6 h 48 min
